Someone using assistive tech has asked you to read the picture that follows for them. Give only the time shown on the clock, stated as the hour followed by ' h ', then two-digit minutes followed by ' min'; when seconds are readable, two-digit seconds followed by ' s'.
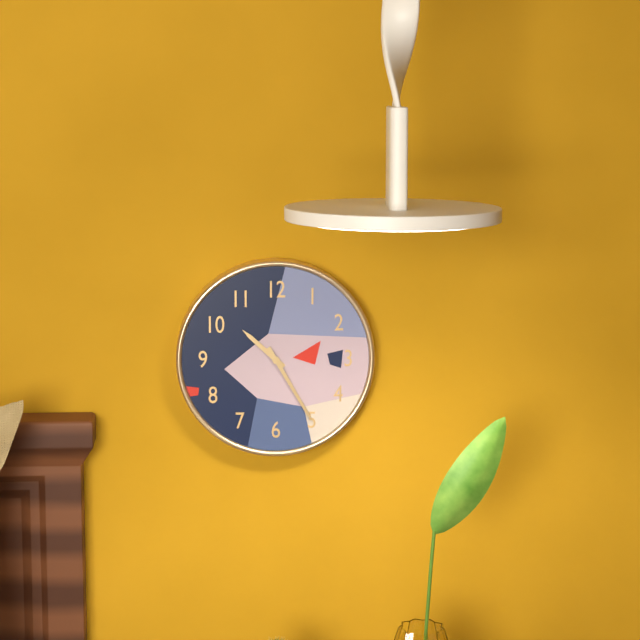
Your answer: 10 h 25 min
